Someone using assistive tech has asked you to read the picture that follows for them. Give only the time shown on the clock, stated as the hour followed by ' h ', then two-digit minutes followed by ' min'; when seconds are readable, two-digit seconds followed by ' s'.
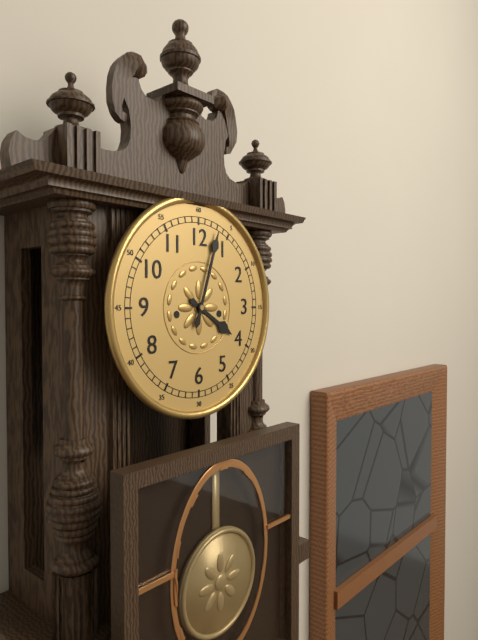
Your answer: 4 h 03 min
